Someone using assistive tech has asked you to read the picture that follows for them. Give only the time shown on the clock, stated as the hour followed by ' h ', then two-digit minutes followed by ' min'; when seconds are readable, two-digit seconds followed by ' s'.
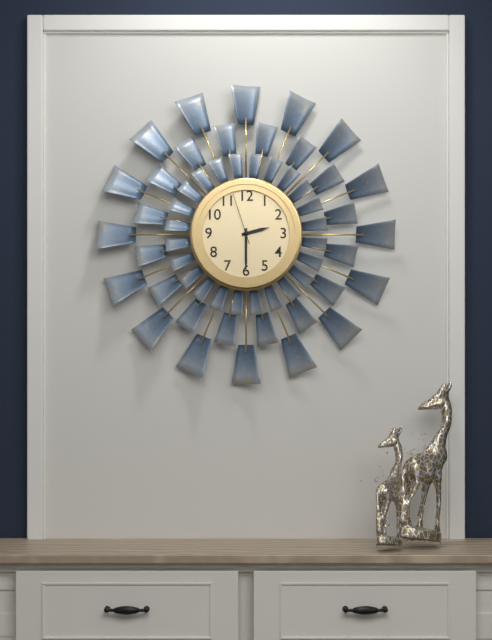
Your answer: 2 h 30 min 57 s
